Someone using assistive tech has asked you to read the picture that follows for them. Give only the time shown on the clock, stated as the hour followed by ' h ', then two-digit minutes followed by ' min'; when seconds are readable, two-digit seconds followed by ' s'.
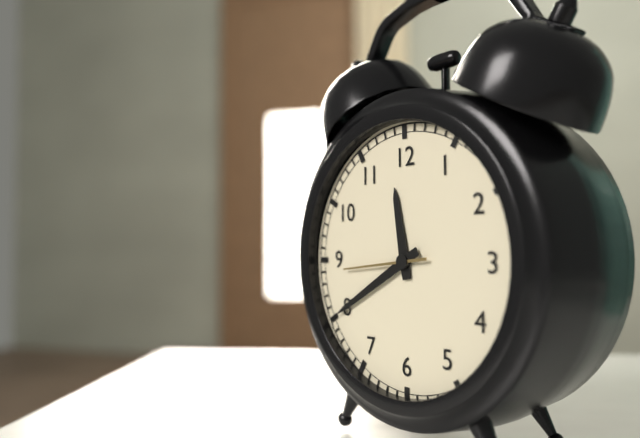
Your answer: 11 h 40 min 44 s
